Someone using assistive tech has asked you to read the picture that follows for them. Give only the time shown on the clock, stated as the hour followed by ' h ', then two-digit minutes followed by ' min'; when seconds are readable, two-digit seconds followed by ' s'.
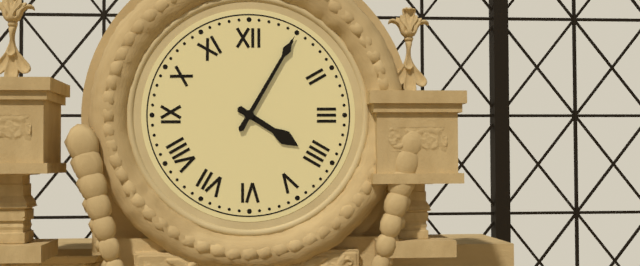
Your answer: 4 h 05 min
